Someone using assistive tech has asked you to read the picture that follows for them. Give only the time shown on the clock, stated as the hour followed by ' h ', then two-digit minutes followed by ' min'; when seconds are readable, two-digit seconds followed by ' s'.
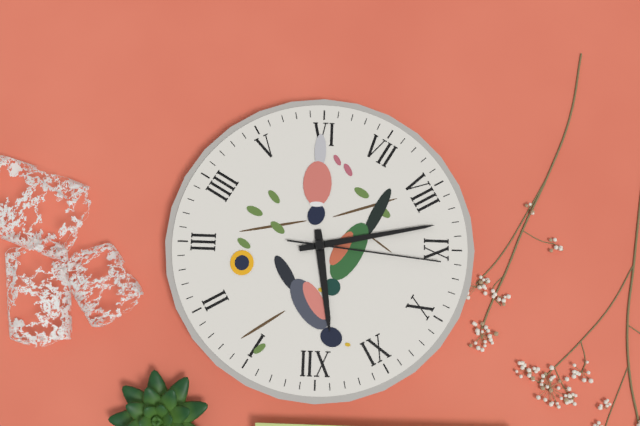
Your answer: 11 h 43 min 46 s
